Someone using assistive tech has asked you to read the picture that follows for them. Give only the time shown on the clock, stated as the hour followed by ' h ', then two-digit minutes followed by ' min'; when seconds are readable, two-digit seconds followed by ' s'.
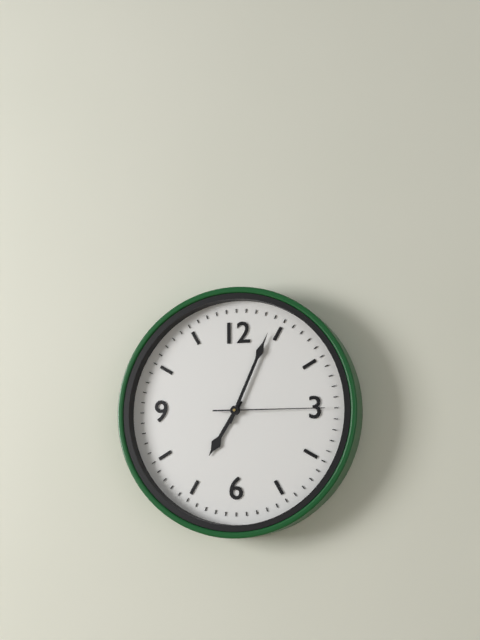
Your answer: 7 h 04 min 15 s
